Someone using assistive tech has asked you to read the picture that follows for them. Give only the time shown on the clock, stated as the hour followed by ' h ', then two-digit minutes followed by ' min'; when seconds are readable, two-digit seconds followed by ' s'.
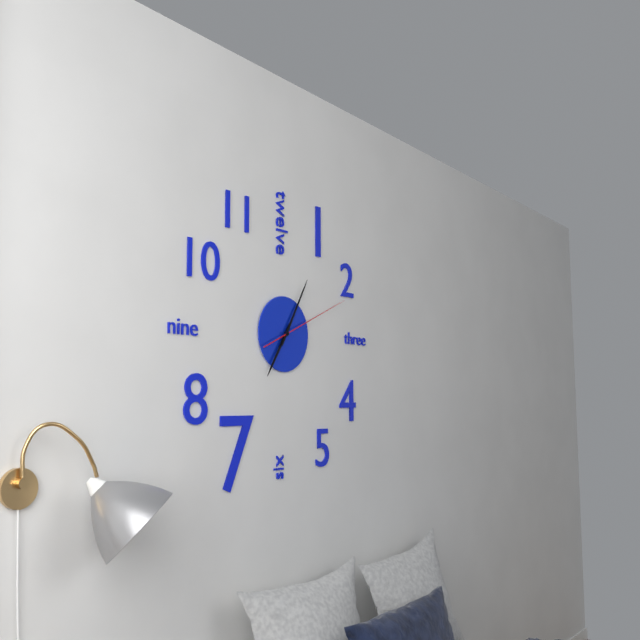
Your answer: 7 h 05 min 11 s
